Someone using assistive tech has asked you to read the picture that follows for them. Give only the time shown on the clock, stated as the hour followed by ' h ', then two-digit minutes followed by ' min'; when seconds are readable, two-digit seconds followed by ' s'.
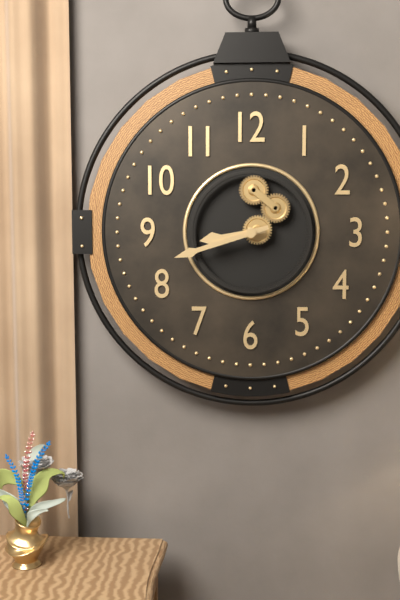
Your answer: 8 h 42 min
